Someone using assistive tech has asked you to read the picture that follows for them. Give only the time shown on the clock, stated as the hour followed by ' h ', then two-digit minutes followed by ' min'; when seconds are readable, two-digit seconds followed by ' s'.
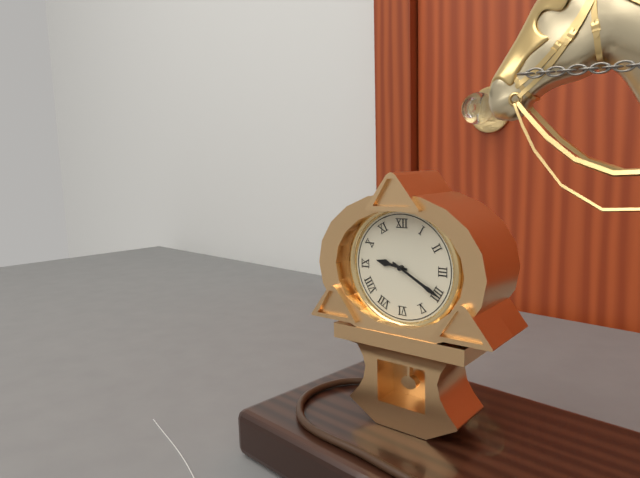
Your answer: 9 h 20 min
